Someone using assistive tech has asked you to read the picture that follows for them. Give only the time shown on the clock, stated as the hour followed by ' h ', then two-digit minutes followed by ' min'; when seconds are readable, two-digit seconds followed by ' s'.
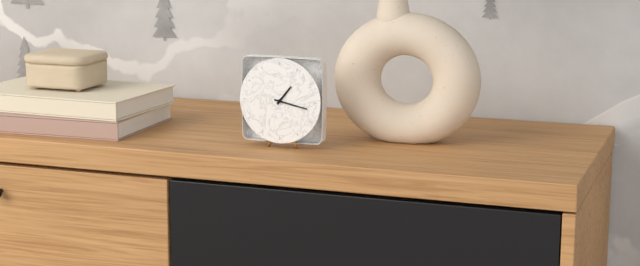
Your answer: 1 h 17 min
